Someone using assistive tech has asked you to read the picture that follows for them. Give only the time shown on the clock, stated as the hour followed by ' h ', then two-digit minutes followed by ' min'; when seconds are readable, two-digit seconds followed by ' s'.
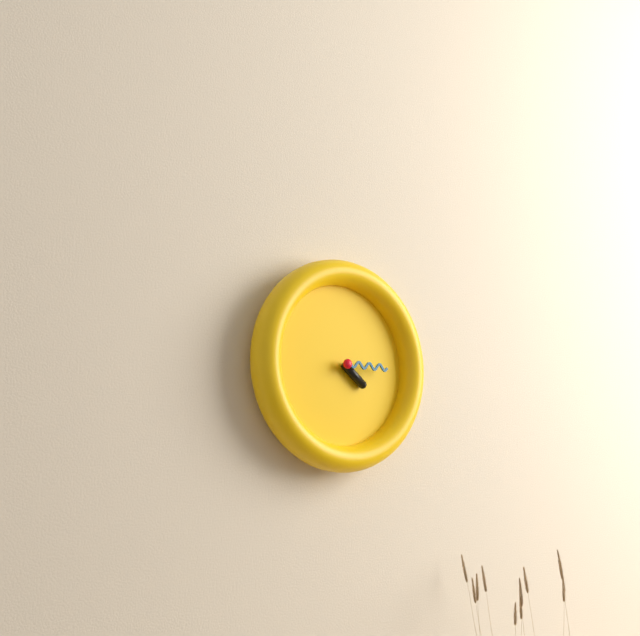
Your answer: 4 h 15 min
